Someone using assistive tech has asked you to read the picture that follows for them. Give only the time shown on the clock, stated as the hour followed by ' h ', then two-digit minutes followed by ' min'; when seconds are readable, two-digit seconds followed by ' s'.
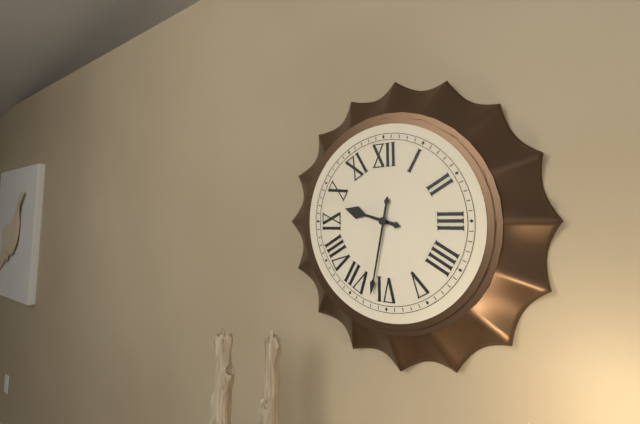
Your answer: 9 h 32 min
